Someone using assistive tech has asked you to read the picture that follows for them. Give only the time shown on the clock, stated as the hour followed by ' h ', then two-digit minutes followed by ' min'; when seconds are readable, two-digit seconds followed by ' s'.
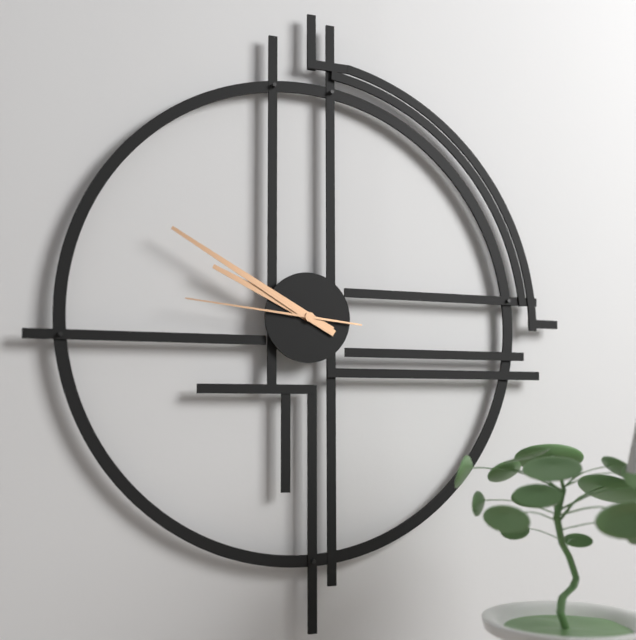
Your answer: 9 h 50 min 46 s
